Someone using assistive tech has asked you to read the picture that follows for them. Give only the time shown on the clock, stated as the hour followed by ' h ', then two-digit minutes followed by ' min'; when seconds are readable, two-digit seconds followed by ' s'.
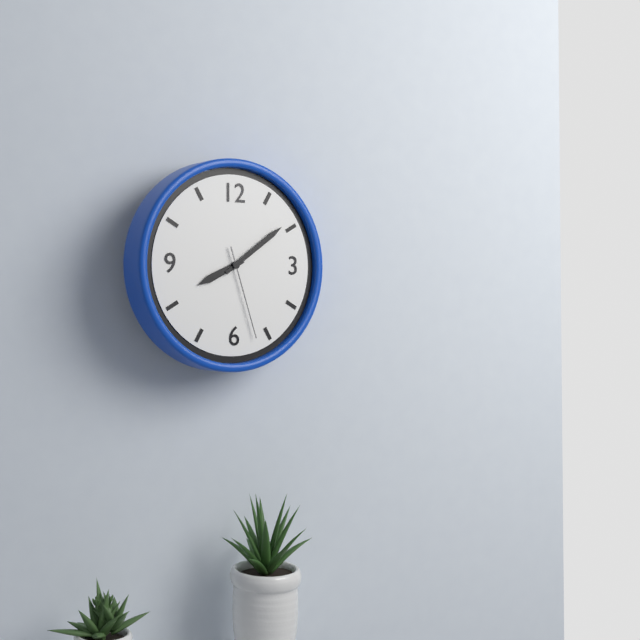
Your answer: 8 h 09 min 27 s
